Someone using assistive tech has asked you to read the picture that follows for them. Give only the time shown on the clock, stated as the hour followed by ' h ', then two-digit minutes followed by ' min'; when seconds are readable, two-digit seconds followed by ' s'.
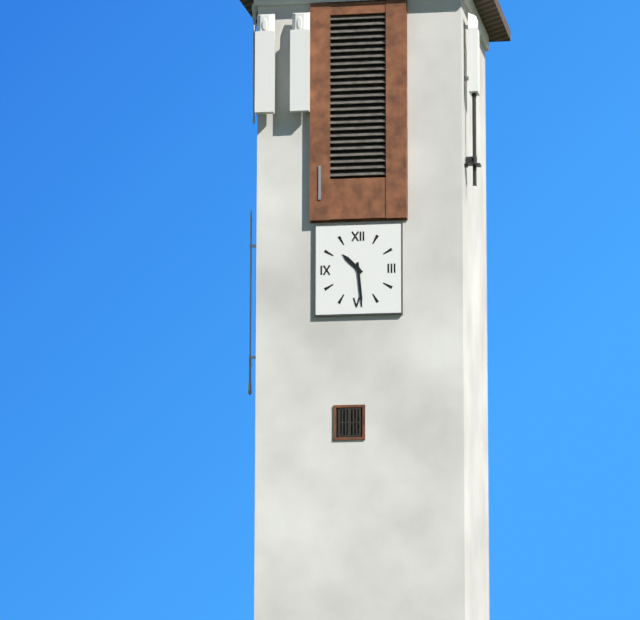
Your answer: 10 h 29 min
